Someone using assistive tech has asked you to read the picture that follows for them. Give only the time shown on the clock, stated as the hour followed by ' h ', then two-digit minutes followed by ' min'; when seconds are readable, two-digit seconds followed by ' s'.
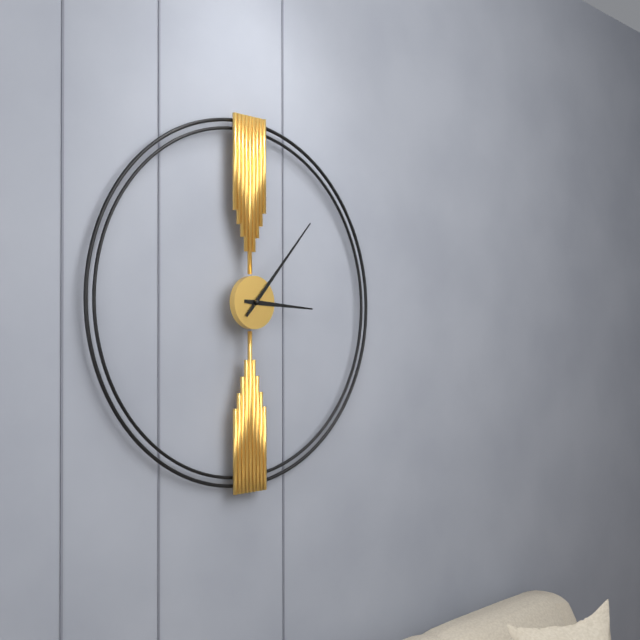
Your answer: 3 h 07 min
